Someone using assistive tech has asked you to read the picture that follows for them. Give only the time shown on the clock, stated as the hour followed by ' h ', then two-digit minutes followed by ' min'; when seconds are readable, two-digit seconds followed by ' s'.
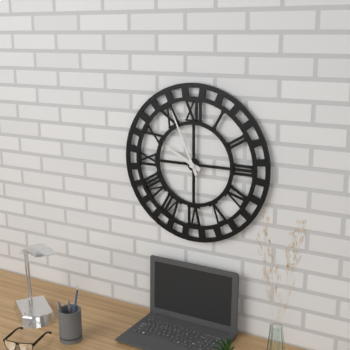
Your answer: 9 h 56 min
